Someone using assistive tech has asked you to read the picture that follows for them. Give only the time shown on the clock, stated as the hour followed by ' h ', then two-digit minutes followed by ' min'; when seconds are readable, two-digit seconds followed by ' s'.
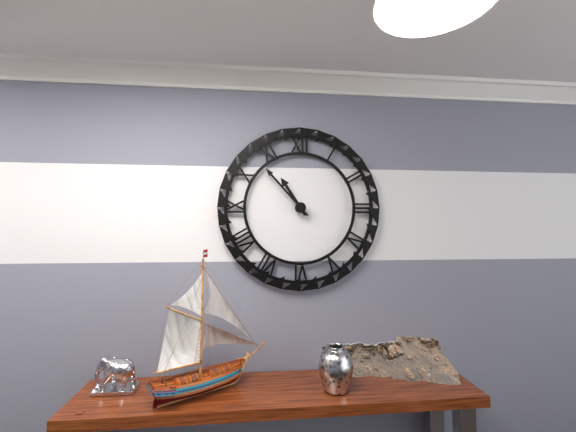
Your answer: 10 h 53 min
